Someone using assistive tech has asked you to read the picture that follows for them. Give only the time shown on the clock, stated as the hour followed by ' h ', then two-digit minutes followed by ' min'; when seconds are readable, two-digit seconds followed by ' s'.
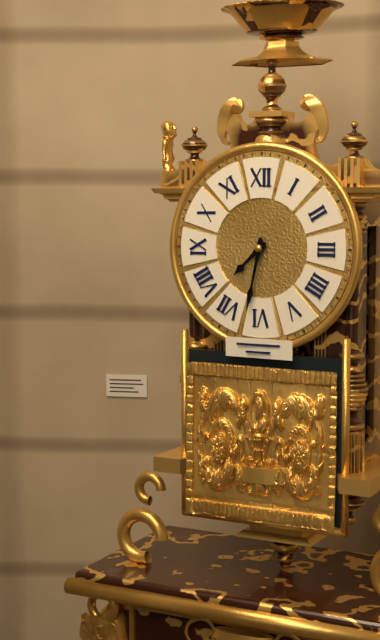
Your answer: 7 h 32 min
